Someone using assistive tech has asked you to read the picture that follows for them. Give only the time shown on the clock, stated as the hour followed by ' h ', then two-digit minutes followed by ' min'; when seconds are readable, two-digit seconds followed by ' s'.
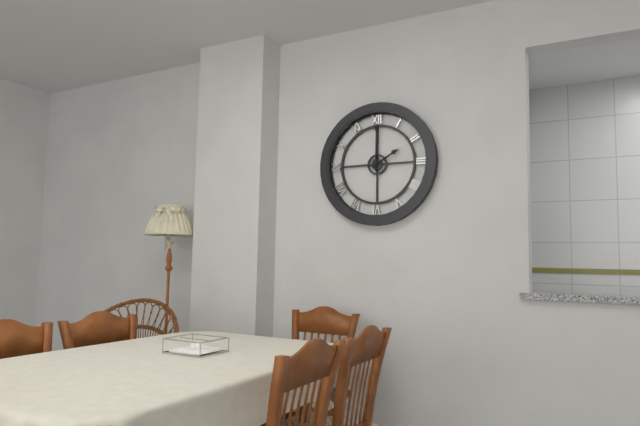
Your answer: 2 h 00 min
